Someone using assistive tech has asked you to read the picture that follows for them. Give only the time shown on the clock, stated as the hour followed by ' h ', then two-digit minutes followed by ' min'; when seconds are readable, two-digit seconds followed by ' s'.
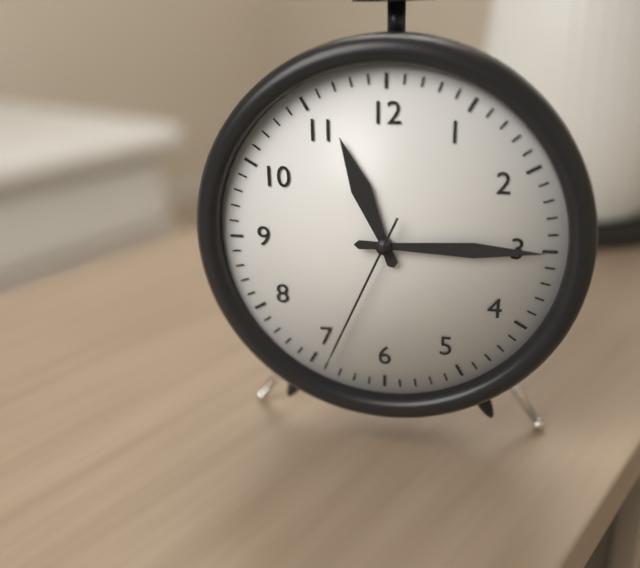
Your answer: 11 h 15 min 34 s
